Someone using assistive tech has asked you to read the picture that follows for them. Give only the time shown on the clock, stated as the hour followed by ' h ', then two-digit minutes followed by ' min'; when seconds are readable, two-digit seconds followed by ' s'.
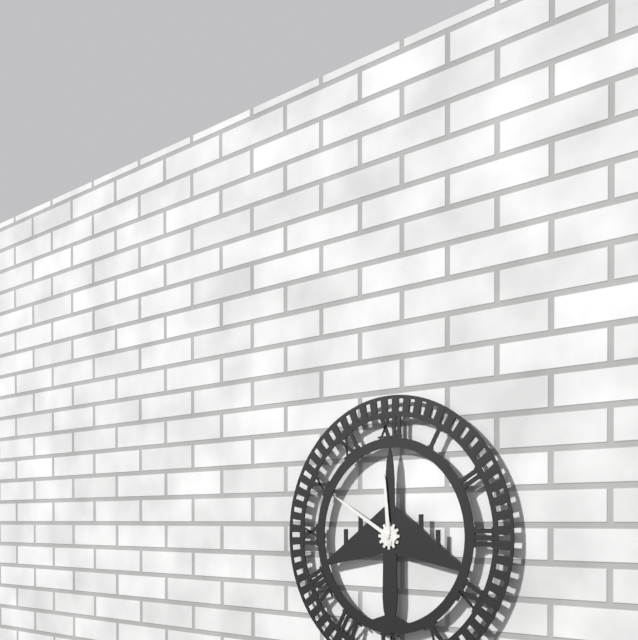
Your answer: 11 h 50 min
